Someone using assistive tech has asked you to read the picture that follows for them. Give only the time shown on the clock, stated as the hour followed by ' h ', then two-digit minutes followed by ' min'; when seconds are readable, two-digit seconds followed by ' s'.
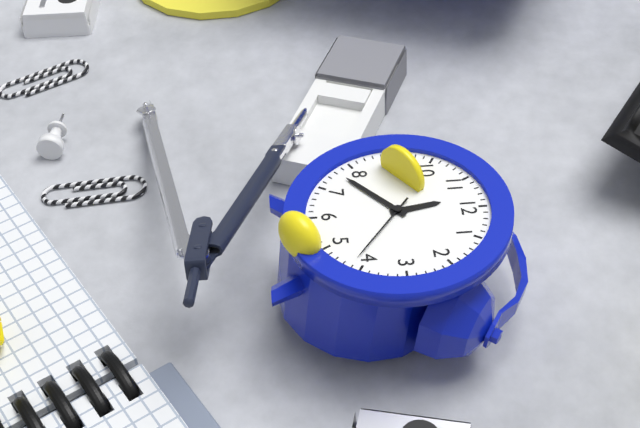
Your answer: 11 h 38 min 21 s
